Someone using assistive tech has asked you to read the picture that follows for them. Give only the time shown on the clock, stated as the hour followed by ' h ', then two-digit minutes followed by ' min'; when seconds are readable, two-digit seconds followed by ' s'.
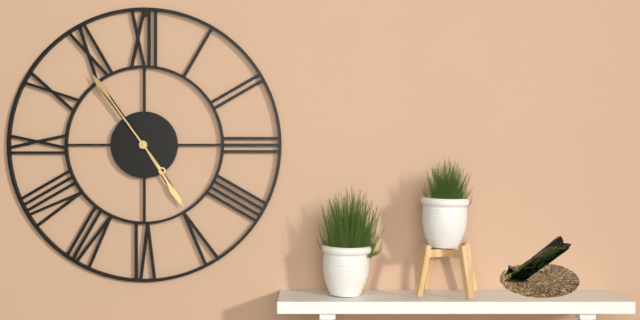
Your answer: 4 h 54 min
